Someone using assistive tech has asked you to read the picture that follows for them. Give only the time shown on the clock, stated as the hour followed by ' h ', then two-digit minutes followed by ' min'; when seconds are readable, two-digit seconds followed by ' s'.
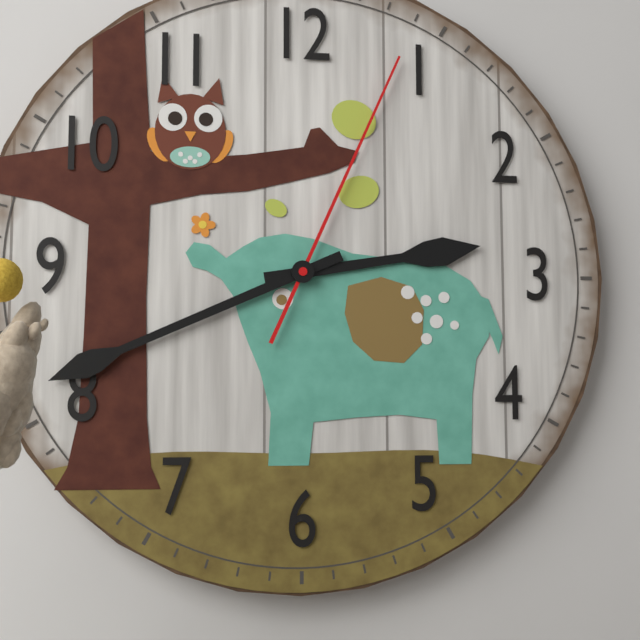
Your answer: 2 h 41 min 04 s
